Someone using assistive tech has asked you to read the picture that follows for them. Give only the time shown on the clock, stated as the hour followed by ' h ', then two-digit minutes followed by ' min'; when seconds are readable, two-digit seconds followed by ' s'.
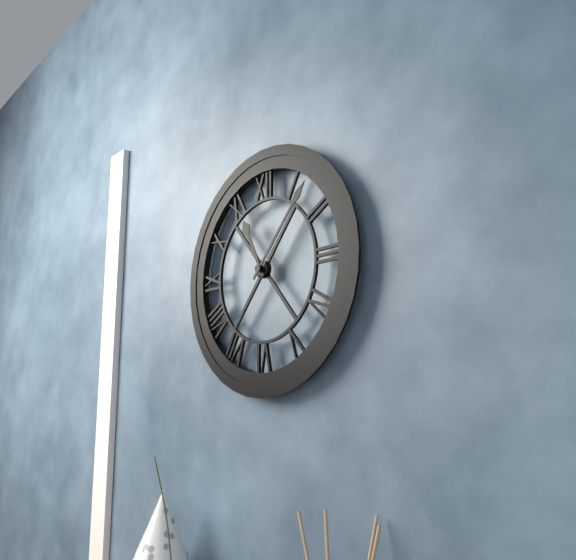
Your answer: 11 h 07 min
